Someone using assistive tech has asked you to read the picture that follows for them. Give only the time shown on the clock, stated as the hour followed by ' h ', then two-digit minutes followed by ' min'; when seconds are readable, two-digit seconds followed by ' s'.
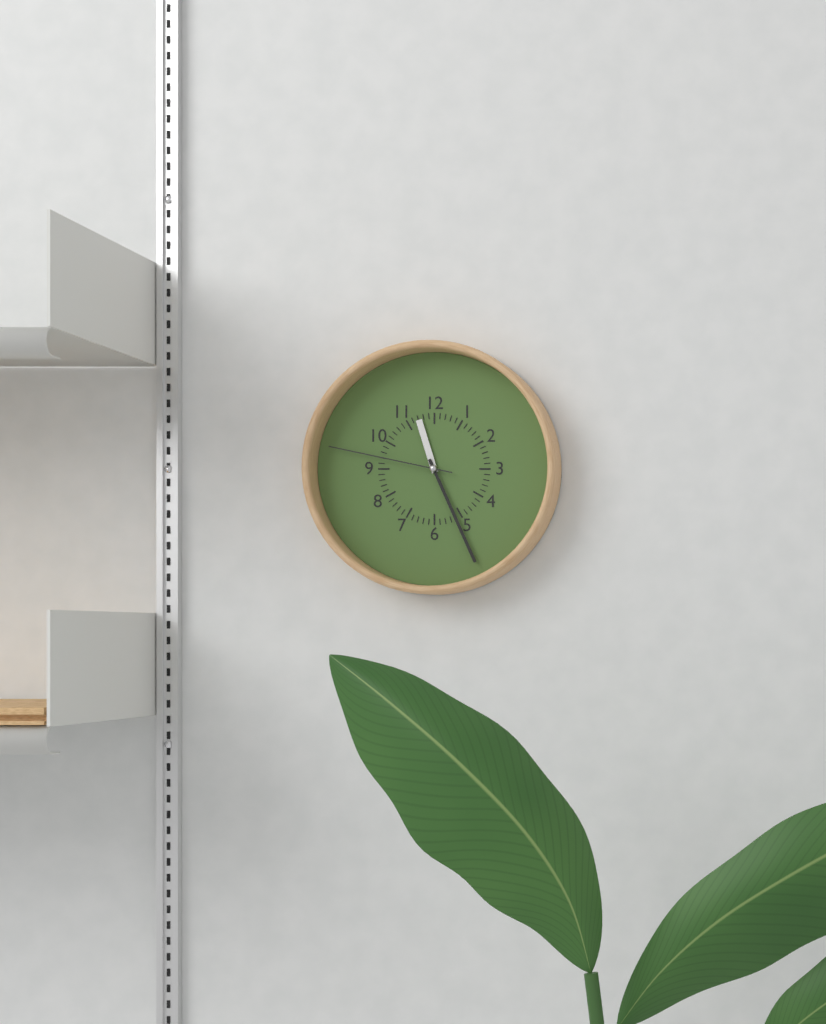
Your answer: 11 h 26 min 47 s
